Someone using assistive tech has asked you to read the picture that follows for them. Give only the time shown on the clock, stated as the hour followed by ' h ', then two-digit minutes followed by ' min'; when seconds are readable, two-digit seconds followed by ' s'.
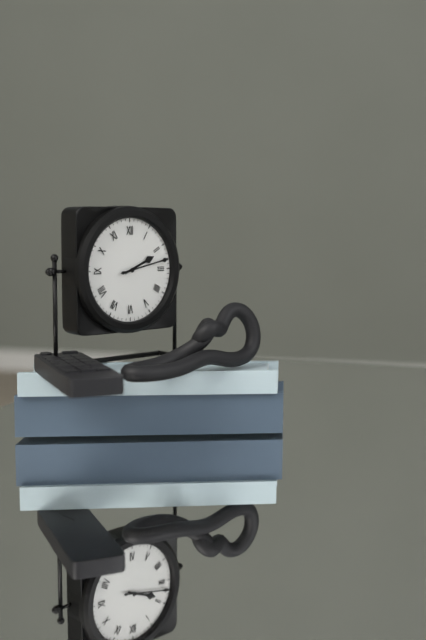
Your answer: 2 h 13 min
